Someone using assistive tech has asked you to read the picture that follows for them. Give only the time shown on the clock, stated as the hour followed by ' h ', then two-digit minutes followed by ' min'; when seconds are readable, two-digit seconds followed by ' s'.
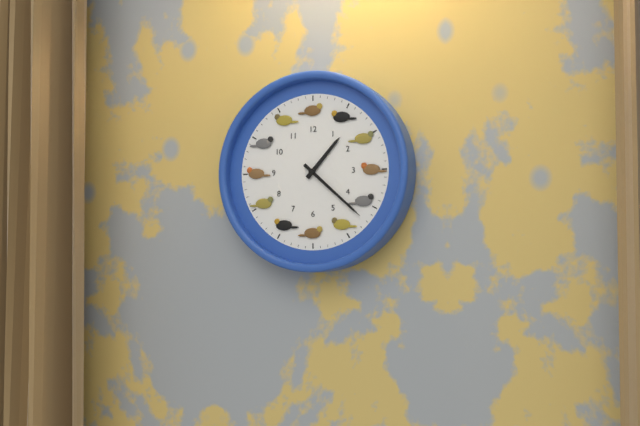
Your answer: 1 h 22 min
